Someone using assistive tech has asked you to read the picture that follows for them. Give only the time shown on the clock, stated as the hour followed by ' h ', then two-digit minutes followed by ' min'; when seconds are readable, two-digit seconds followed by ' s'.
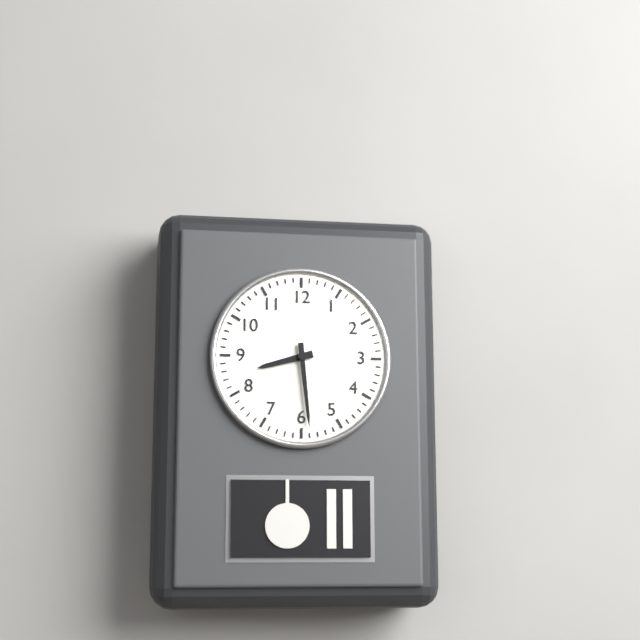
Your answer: 8 h 29 min
